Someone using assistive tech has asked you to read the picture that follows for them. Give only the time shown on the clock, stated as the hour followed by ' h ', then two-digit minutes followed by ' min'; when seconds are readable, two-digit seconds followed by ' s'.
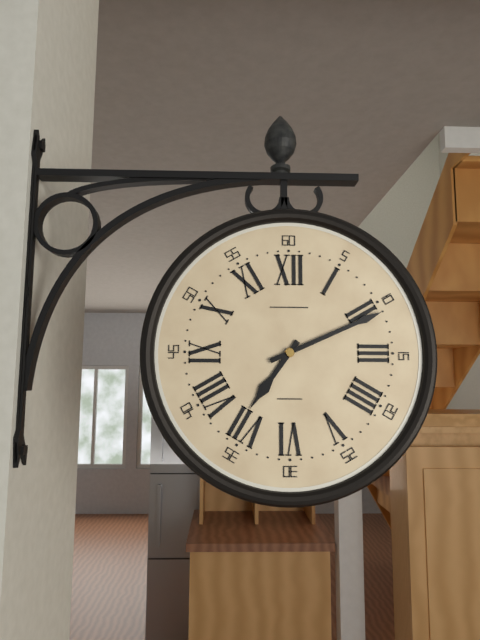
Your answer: 7 h 11 min
